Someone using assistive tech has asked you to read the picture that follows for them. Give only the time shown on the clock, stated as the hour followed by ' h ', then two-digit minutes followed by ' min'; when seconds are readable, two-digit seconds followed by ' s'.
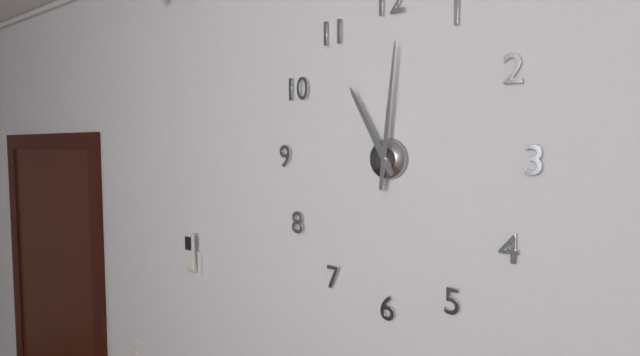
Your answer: 11 h 01 min
